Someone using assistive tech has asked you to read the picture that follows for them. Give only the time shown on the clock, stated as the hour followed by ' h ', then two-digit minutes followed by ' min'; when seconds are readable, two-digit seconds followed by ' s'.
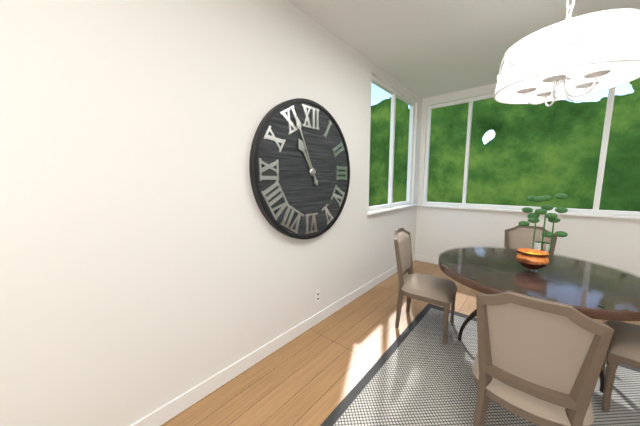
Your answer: 10 h 56 min
